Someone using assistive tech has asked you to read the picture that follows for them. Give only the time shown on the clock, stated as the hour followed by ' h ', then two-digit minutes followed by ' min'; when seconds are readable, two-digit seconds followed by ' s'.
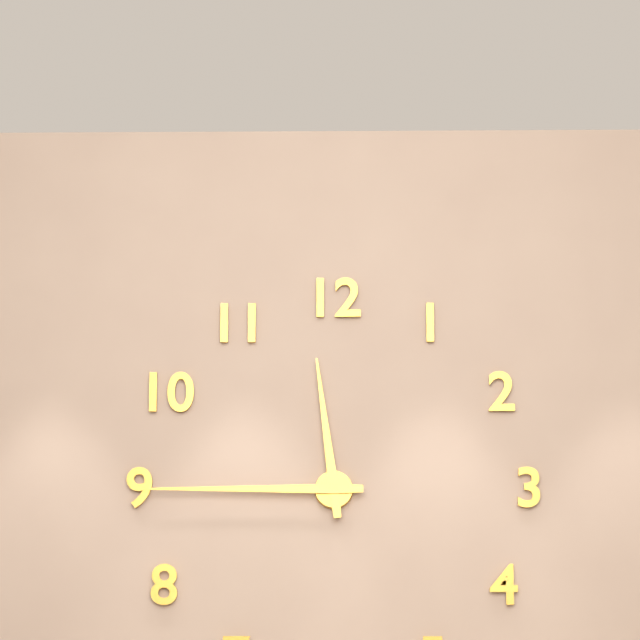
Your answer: 11 h 45 min
